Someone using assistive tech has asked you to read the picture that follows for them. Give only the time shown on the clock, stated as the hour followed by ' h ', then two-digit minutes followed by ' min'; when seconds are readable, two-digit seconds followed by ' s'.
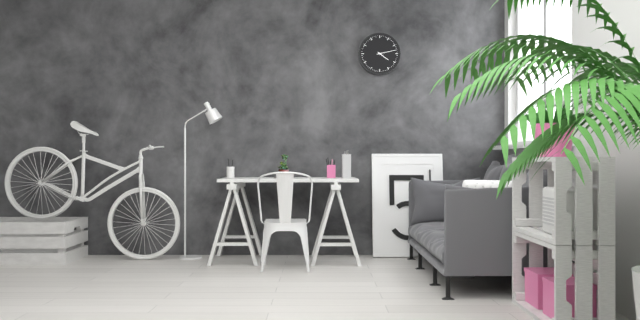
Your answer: 4 h 13 min
